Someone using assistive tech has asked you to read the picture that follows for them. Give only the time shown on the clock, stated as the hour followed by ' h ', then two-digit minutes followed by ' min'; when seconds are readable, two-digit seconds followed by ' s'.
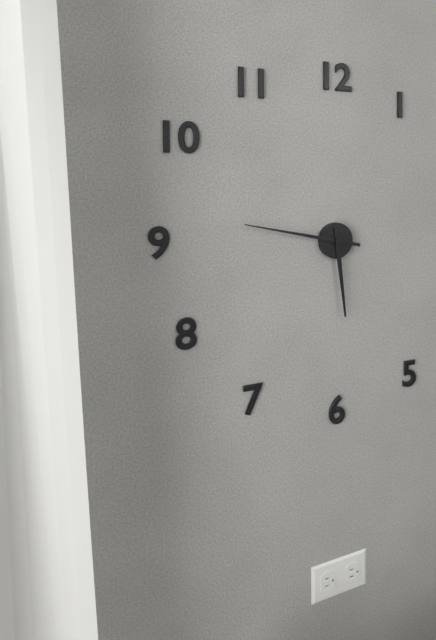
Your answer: 5 h 47 min
